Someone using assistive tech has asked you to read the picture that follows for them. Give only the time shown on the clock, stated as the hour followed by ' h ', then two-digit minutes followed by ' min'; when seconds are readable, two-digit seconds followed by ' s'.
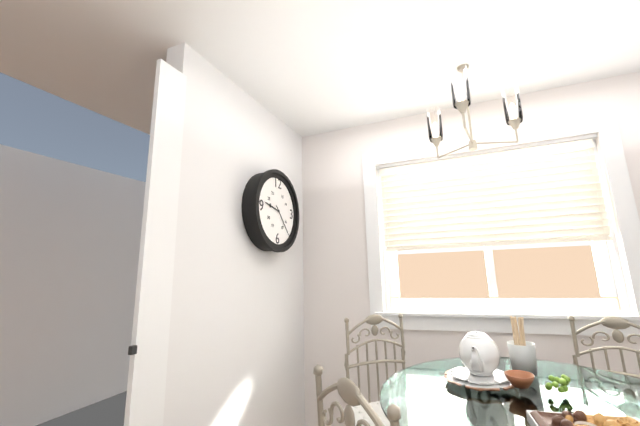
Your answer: 9 h 23 min
